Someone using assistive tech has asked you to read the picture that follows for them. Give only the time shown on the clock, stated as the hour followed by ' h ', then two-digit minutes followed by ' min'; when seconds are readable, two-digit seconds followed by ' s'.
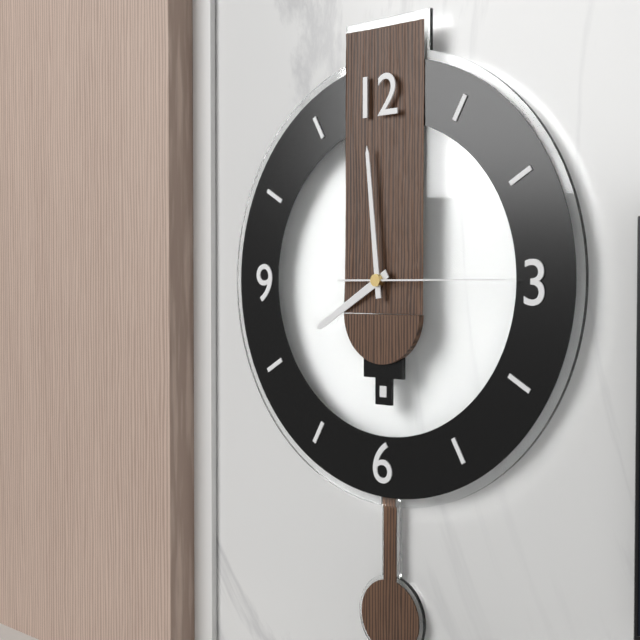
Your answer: 7 h 59 min 15 s
